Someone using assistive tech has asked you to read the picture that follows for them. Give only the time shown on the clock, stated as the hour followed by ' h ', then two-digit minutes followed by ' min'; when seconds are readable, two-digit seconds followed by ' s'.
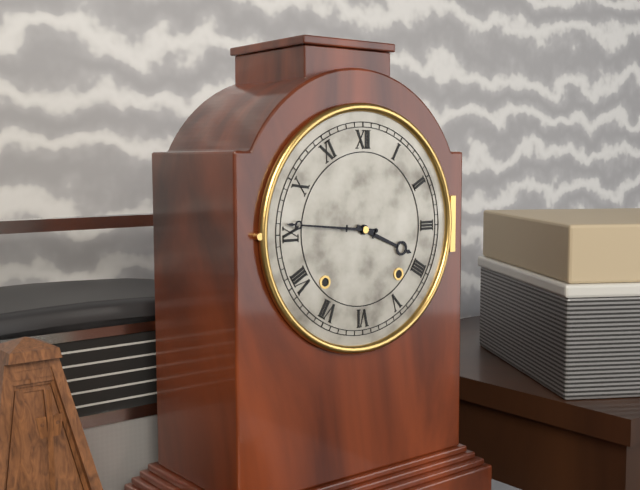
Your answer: 3 h 46 min
